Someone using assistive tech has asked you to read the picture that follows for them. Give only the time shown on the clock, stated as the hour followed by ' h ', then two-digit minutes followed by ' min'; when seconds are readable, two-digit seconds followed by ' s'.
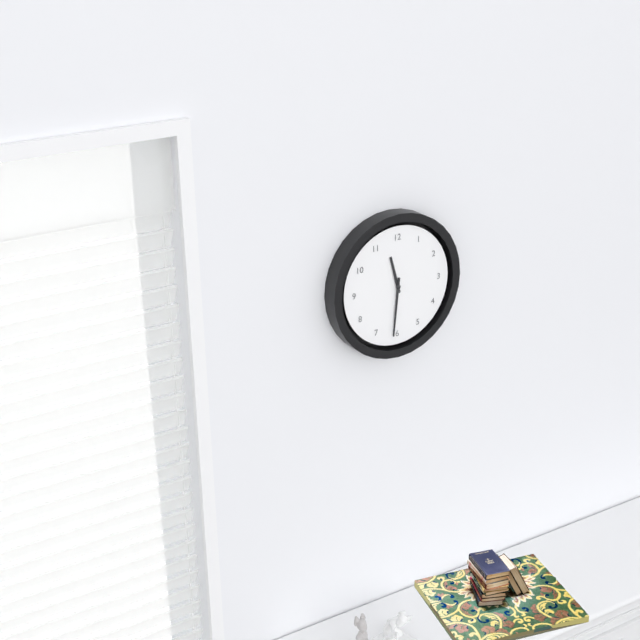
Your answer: 11 h 31 min
